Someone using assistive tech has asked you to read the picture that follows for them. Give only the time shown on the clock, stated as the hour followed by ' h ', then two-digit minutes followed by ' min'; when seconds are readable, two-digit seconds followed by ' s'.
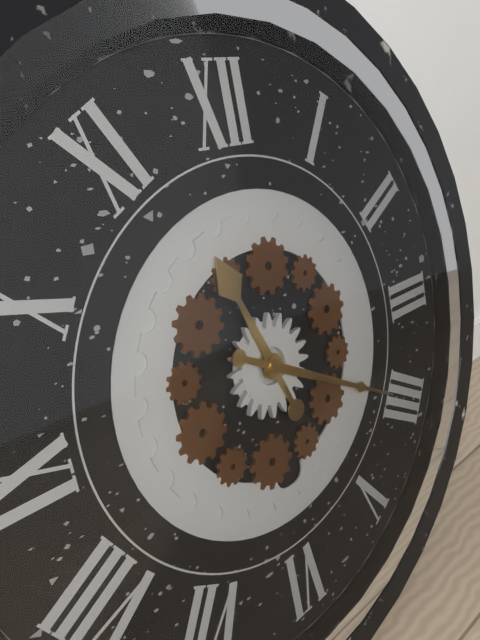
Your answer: 11 h 20 min
